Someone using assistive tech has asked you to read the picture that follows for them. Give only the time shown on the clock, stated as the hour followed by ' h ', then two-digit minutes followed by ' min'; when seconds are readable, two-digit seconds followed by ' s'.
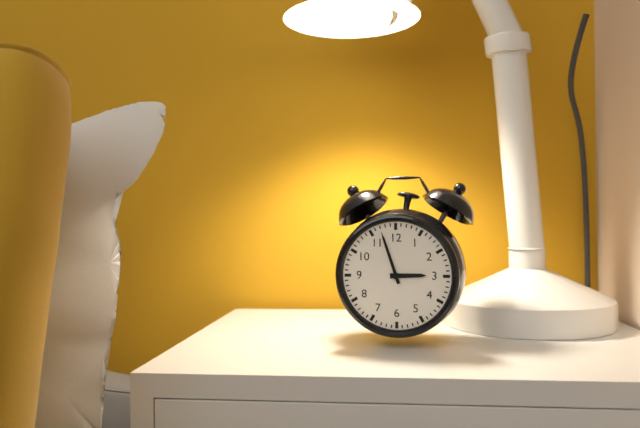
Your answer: 2 h 57 min
